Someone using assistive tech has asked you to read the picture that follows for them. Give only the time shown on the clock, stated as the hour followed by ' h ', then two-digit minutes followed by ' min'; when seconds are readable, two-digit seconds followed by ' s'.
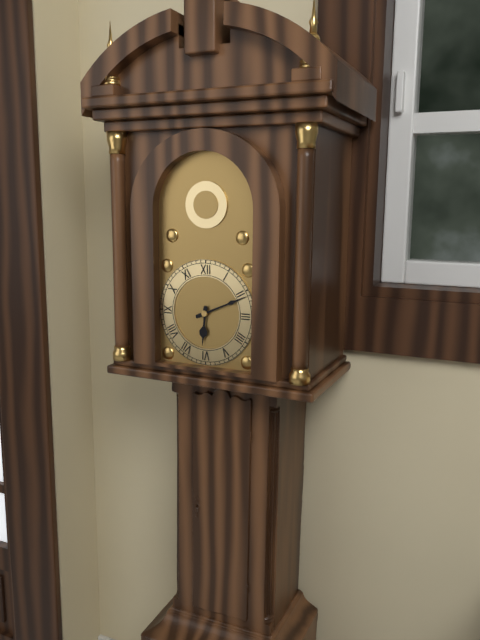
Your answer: 6 h 11 min
